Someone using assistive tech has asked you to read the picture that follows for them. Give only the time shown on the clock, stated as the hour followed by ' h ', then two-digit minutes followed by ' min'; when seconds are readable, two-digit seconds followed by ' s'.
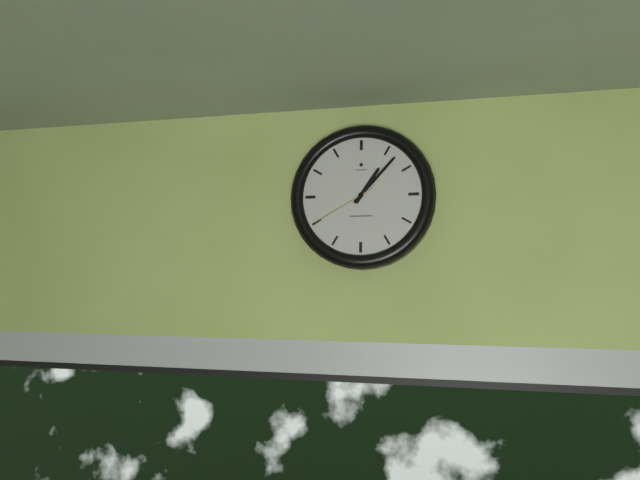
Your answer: 1 h 07 min 40 s
